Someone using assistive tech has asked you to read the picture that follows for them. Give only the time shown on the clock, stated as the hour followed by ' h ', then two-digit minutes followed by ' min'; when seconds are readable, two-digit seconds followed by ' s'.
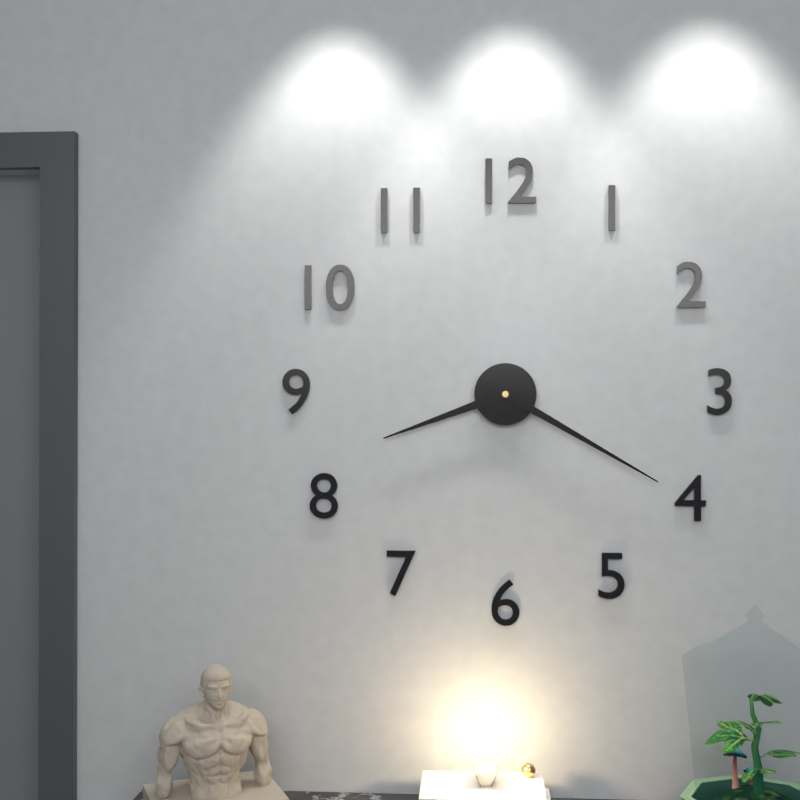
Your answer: 8 h 20 min
